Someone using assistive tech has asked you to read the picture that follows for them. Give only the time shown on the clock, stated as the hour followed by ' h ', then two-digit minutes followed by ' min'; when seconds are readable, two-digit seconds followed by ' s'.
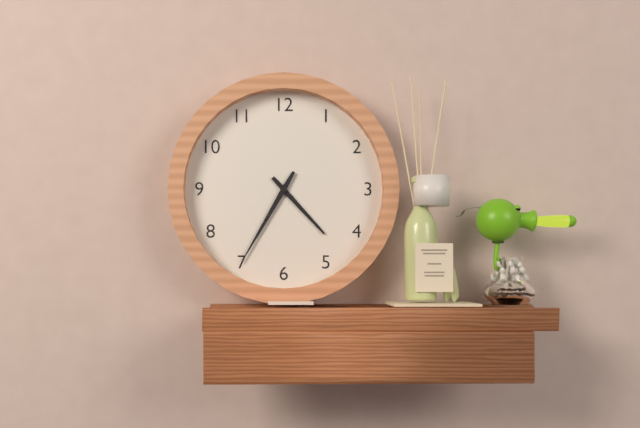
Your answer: 4 h 35 min
